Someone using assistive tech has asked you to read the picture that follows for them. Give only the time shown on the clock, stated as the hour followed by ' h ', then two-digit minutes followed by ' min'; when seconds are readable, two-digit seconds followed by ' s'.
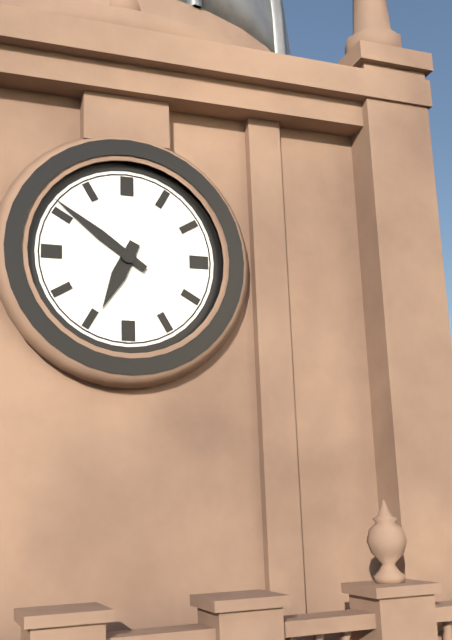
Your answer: 6 h 51 min
